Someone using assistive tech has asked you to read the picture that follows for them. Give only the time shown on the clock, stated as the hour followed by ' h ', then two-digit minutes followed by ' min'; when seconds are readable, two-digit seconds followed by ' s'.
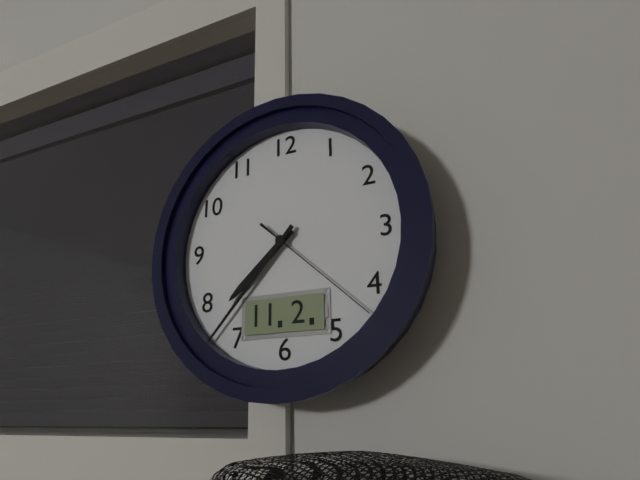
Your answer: 7 h 37 min 22 s
